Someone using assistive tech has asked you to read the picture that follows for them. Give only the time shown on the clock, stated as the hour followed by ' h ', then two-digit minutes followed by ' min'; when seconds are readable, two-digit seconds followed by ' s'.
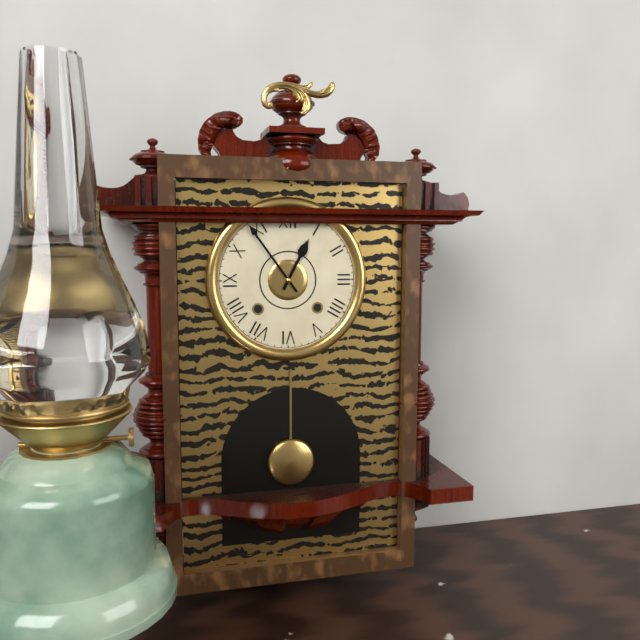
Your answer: 12 h 54 min
